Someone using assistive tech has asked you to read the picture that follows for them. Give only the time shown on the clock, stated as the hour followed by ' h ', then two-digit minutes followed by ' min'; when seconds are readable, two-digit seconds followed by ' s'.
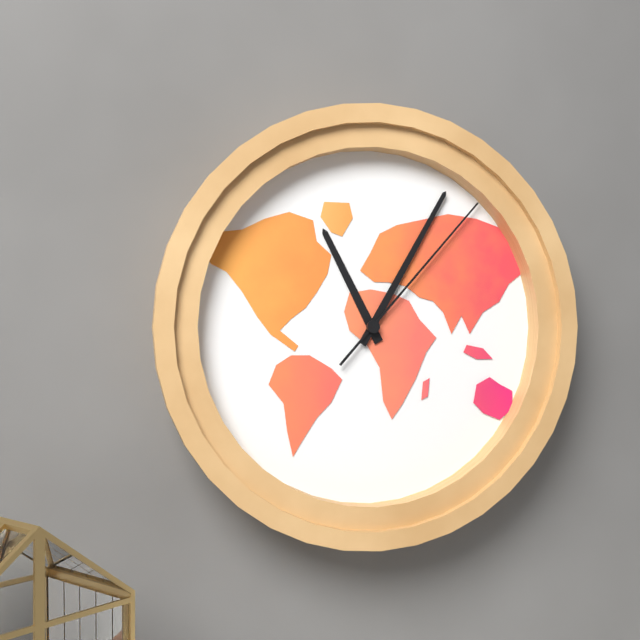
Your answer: 11 h 05 min 07 s
